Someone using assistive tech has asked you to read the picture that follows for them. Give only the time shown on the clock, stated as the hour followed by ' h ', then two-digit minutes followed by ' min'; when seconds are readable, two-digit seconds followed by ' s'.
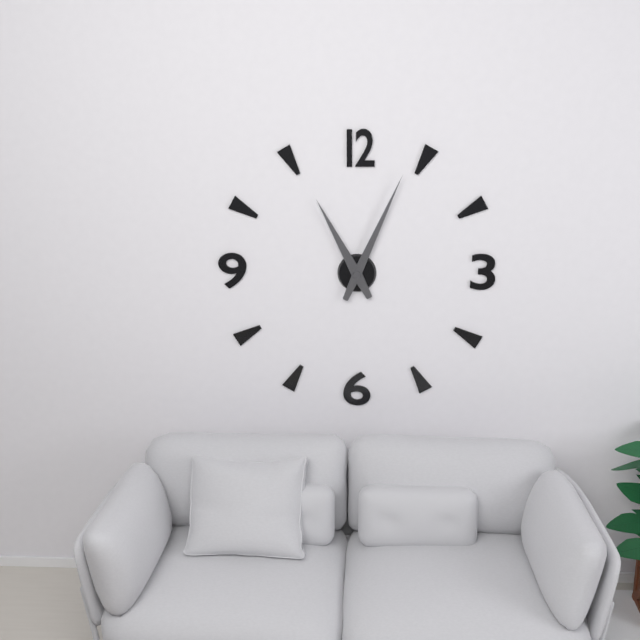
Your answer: 11 h 04 min
